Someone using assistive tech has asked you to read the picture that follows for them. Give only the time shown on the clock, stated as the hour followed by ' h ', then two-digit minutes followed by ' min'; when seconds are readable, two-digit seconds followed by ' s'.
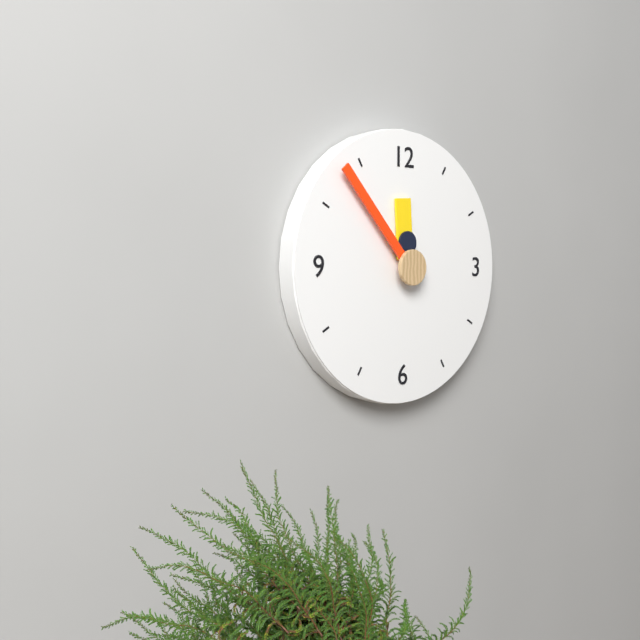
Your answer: 11 h 53 min
